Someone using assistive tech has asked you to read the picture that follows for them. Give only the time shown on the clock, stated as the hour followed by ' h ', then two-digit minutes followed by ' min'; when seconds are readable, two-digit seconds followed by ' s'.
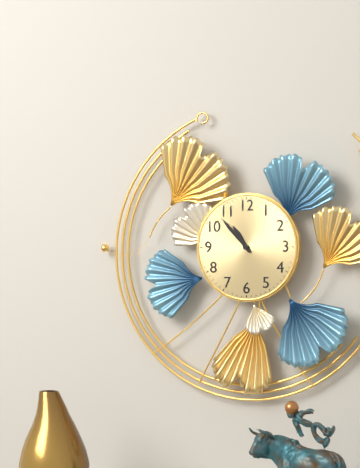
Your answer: 10 h 53 min
